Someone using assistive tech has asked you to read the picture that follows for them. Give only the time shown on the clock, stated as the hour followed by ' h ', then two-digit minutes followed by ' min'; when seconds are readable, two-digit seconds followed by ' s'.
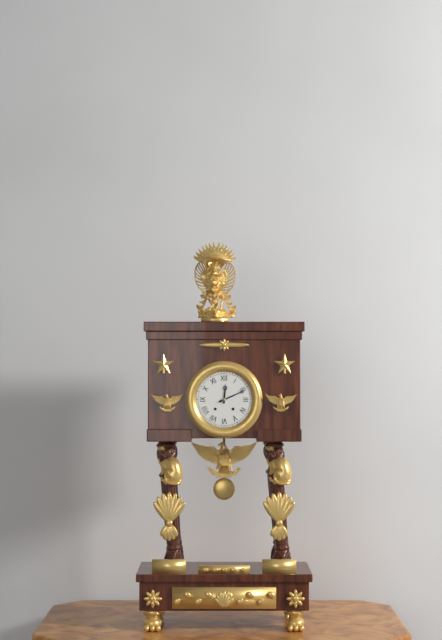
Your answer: 12 h 11 min
